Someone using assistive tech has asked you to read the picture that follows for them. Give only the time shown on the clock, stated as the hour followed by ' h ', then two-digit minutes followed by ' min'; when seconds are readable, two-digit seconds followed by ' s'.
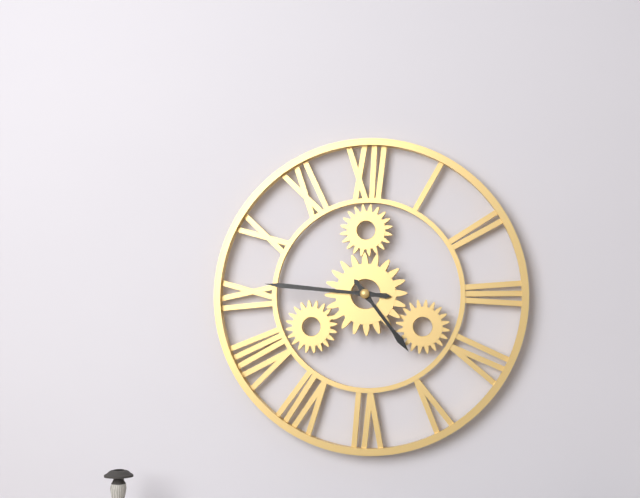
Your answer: 4 h 46 min
